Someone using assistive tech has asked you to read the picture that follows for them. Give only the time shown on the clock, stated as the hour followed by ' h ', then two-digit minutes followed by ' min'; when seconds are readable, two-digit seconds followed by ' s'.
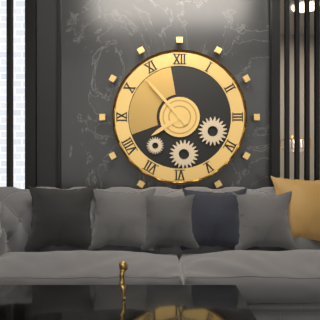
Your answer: 7 h 53 min
